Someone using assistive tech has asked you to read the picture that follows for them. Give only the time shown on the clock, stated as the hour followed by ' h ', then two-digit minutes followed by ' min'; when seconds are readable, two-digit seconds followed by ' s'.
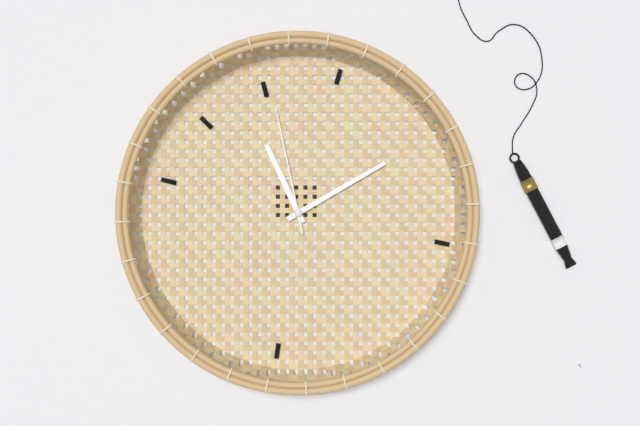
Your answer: 11 h 10 min 58 s
